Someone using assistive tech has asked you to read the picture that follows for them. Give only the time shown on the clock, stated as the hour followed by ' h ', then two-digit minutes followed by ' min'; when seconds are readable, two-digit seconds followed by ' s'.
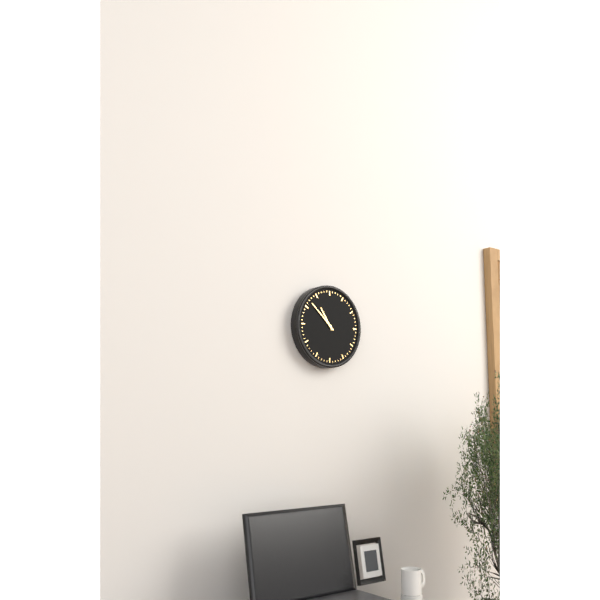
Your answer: 10 h 52 min
